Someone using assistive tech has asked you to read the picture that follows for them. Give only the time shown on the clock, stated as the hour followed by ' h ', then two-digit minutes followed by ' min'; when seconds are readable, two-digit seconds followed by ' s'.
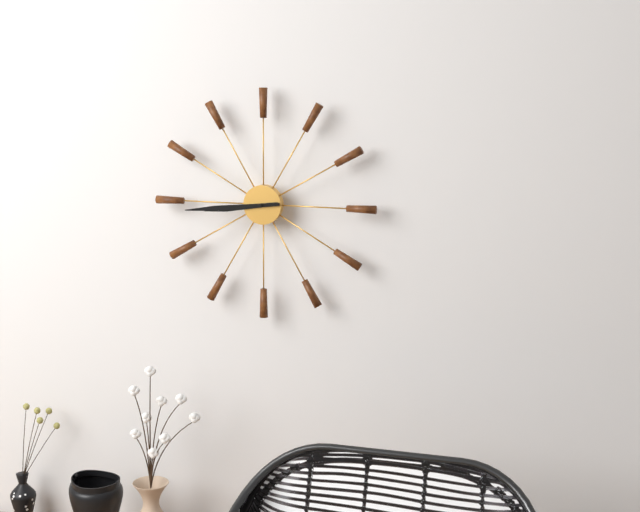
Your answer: 8 h 44 min
